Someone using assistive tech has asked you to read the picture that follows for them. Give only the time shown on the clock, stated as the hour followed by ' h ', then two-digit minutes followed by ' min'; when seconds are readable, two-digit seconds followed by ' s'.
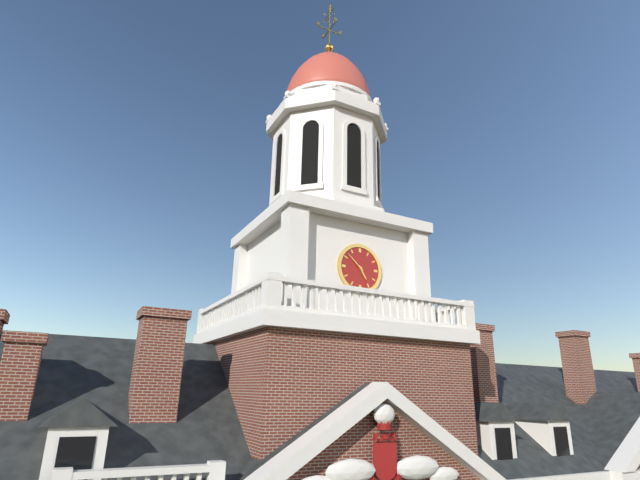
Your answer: 4 h 52 min
